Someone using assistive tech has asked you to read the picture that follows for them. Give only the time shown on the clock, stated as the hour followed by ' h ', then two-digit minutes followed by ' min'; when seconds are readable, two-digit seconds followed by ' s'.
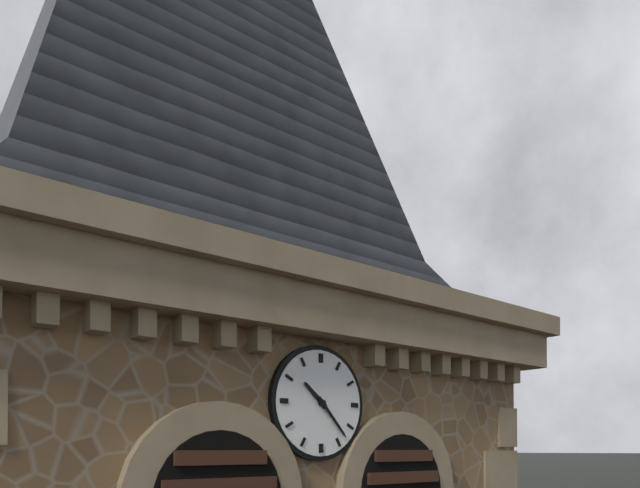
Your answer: 10 h 23 min
